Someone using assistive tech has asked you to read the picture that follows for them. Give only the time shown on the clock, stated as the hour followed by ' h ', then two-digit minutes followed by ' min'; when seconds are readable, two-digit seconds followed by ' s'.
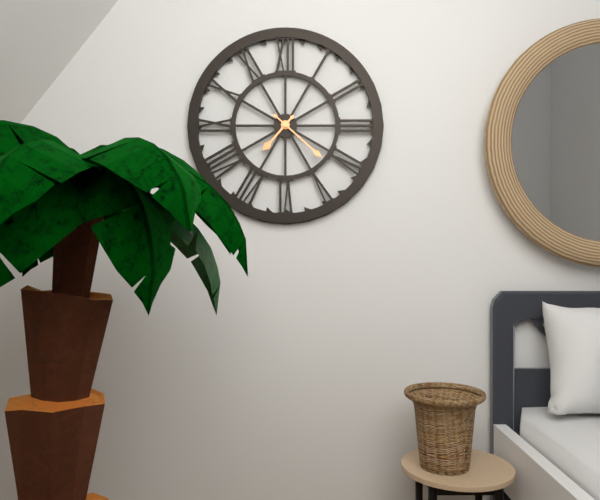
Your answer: 7 h 22 min
